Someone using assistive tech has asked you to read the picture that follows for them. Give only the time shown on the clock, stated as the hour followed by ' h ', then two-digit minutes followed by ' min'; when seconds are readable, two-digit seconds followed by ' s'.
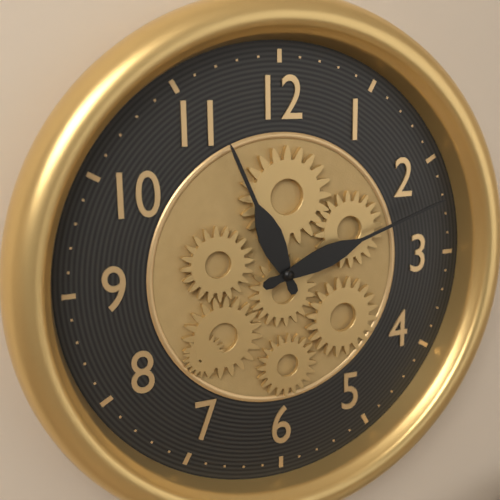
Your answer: 11 h 12 min
